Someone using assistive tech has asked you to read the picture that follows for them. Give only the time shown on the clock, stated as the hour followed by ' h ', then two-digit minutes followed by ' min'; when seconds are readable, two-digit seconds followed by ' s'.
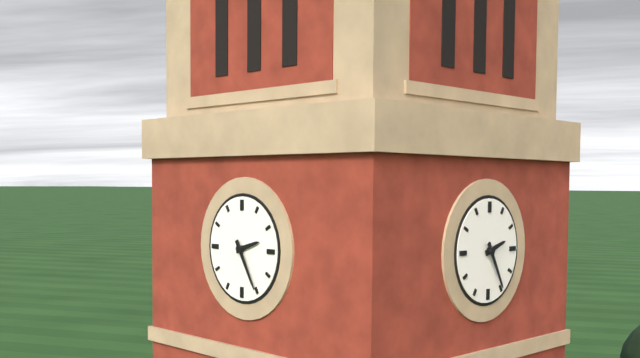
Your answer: 2 h 25 min
